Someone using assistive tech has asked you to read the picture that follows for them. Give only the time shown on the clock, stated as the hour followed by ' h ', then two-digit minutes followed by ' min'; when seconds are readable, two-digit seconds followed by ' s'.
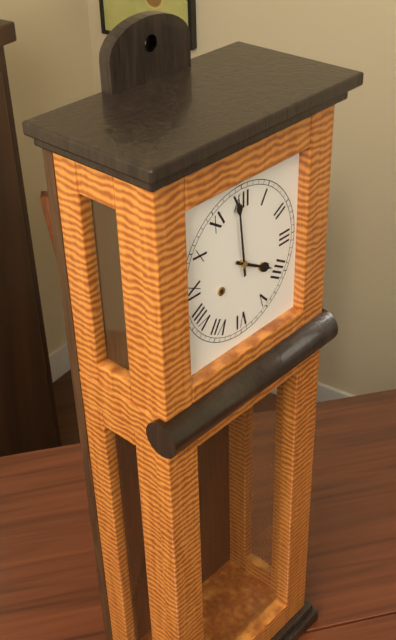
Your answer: 3 h 59 min
